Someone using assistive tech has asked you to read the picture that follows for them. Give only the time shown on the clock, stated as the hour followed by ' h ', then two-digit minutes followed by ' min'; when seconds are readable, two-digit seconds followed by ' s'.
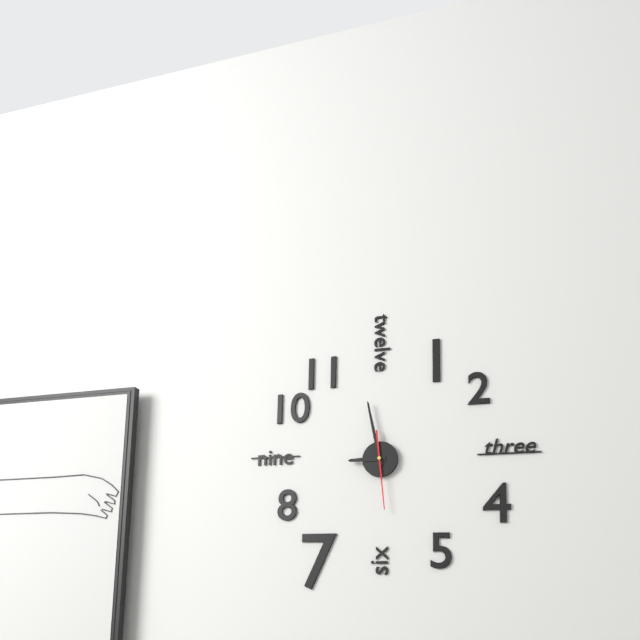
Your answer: 8 h 58 min 29 s
